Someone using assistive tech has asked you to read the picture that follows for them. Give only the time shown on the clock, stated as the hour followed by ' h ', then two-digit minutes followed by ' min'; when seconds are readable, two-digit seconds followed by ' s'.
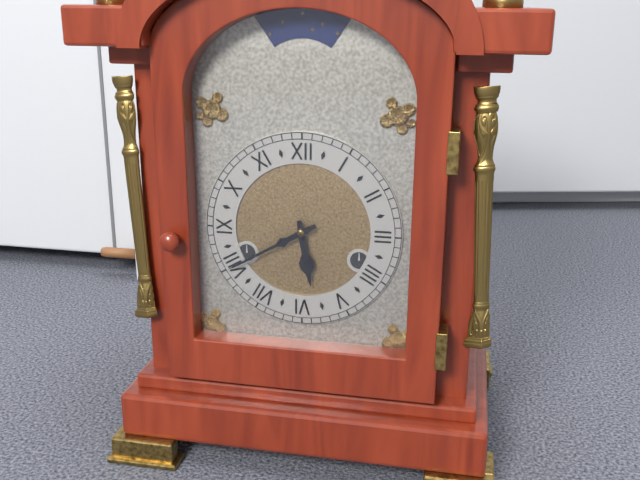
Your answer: 5 h 40 min
